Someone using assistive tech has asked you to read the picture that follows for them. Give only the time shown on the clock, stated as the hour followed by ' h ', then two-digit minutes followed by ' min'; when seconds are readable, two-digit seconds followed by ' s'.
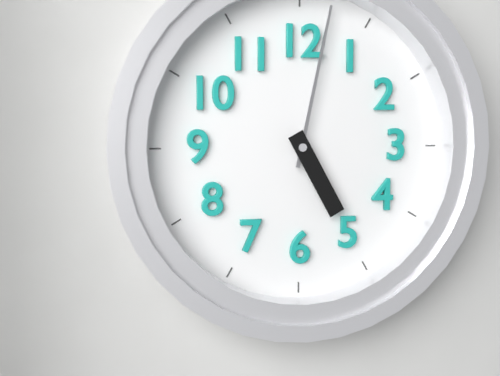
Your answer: 5 h 02 min
